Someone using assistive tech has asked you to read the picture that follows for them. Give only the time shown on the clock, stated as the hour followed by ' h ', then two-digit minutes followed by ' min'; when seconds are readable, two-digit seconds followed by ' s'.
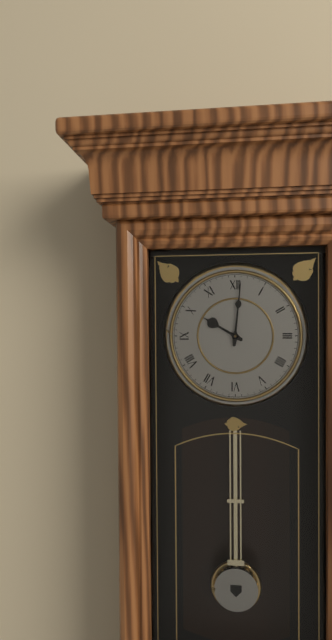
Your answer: 10 h 01 min
